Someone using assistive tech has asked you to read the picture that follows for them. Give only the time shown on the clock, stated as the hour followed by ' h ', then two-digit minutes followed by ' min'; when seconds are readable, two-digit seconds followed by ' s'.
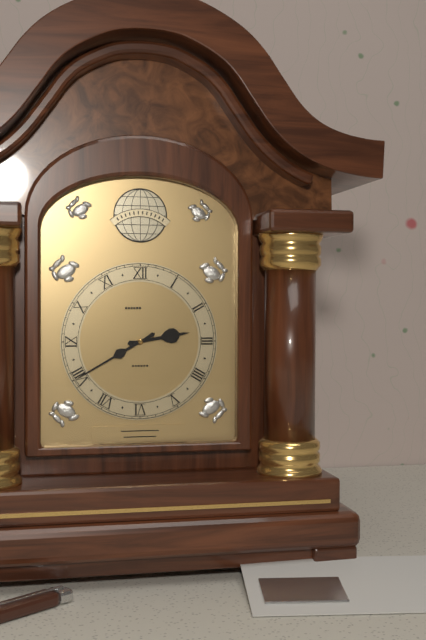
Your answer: 2 h 40 min
